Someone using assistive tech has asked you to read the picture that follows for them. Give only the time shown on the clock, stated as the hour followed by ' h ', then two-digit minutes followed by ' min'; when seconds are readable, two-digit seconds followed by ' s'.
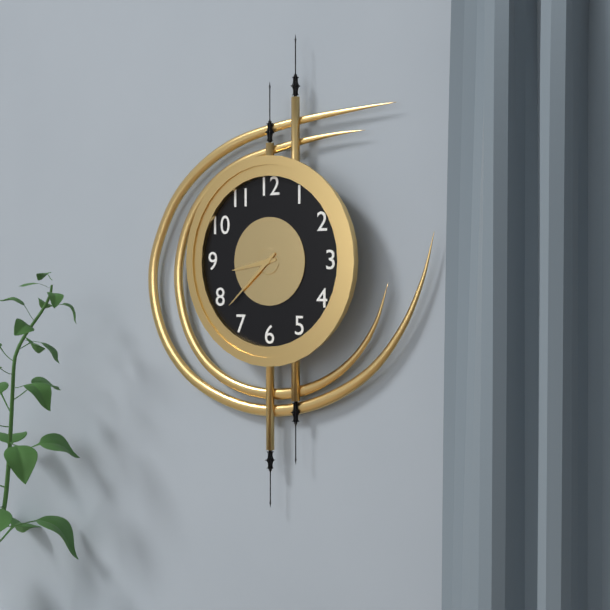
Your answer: 8 h 38 min
